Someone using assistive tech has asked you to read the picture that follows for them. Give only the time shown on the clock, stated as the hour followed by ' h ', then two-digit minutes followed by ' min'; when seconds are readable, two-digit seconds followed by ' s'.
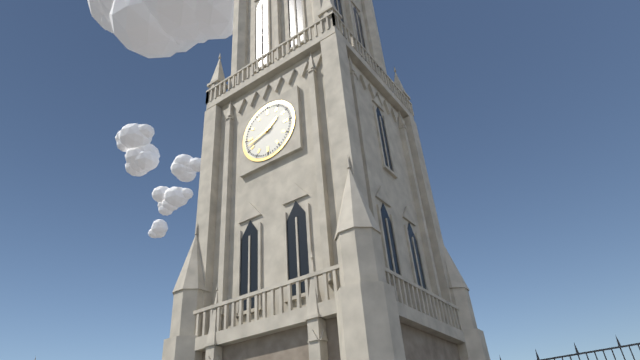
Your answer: 1 h 42 min
